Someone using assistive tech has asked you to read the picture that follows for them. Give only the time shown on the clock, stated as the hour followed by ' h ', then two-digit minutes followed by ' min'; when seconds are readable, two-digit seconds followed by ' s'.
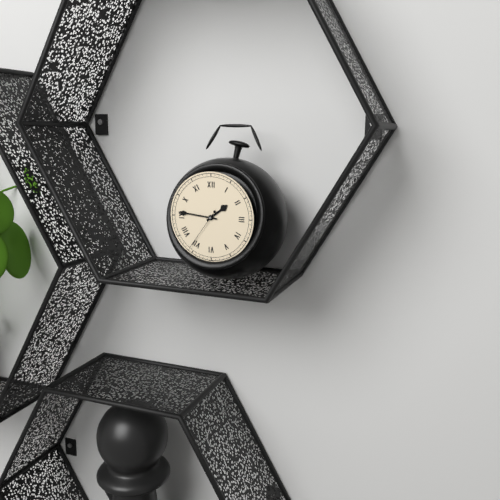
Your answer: 1 h 46 min
